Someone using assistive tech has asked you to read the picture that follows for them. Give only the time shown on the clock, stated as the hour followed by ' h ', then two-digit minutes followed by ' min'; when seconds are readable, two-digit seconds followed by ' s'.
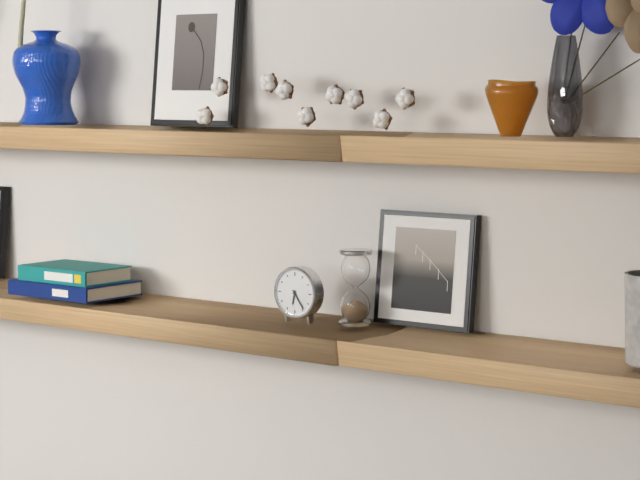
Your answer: 6 h 24 min
